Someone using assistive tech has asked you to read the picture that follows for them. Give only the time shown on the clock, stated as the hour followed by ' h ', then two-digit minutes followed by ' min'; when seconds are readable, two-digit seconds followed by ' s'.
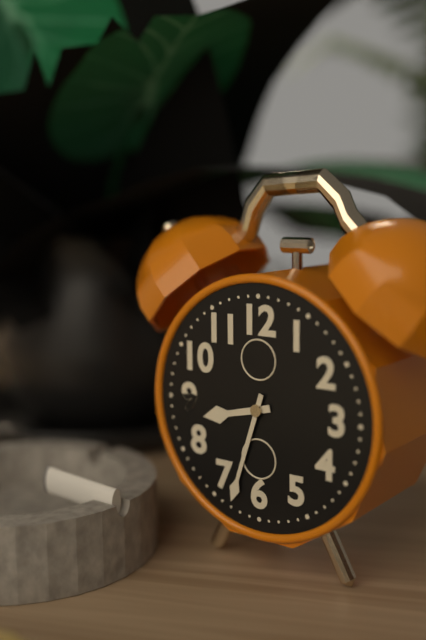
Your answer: 8 h 33 min
